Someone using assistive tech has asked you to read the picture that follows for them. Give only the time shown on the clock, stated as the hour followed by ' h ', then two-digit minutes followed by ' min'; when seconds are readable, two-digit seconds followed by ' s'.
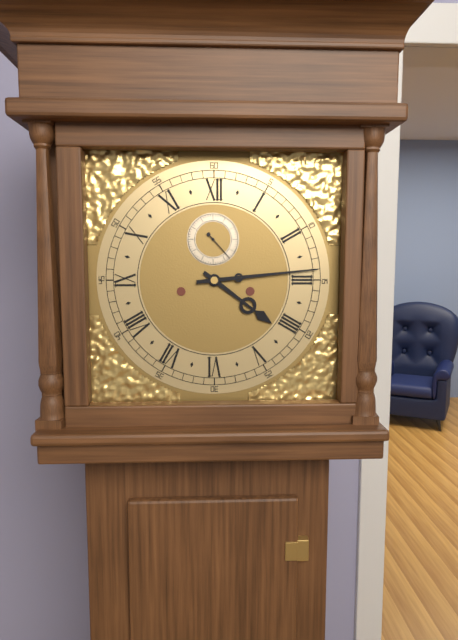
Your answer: 4 h 14 min
